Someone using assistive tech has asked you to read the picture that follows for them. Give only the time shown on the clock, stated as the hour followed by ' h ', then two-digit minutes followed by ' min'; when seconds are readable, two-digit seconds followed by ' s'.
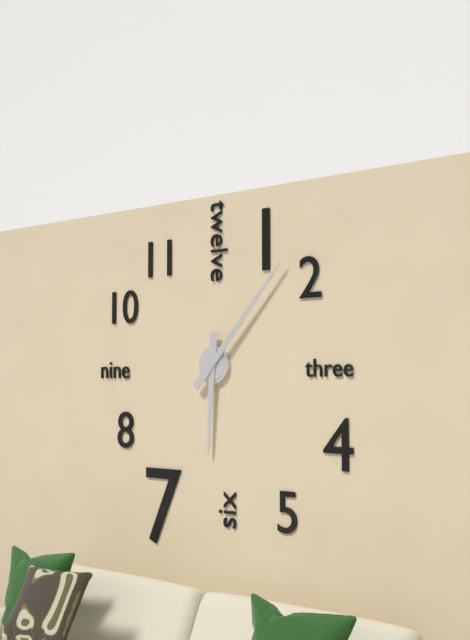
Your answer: 6 h 07 min
